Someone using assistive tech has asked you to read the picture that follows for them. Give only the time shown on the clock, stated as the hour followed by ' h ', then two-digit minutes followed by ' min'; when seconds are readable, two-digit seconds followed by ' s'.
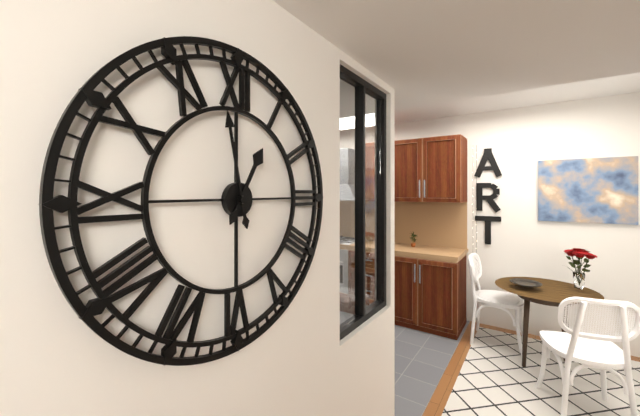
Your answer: 12 h 58 min
